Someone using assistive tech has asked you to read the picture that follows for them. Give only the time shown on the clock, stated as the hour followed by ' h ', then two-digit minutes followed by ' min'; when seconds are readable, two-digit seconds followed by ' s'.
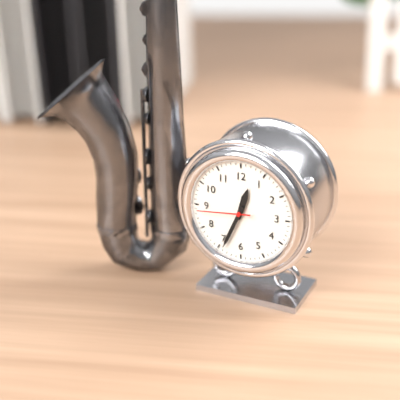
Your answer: 12 h 34 min 44 s
